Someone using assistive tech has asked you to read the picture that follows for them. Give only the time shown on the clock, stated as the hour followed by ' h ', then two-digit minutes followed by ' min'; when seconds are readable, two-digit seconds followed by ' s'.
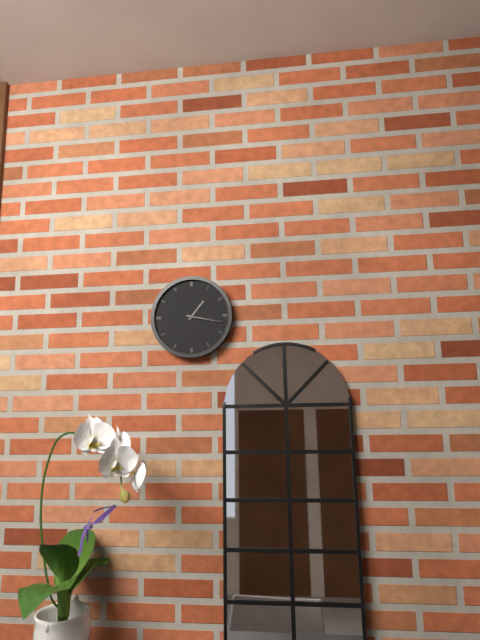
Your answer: 1 h 17 min
